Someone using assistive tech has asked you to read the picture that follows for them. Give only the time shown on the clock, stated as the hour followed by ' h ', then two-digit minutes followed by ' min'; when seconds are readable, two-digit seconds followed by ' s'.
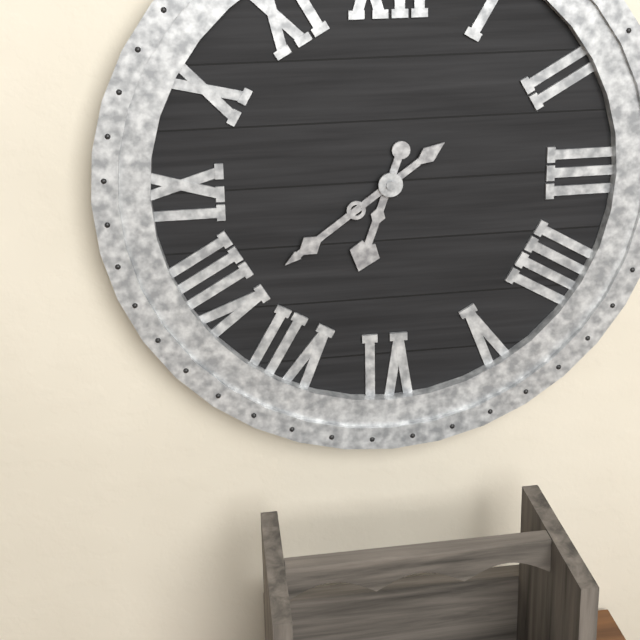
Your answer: 6 h 39 min
